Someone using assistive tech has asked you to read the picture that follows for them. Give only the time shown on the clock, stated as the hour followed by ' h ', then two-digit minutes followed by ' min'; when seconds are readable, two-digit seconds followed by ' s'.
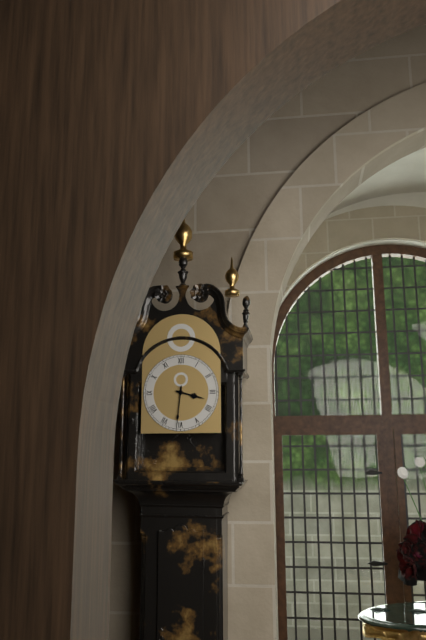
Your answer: 3 h 31 min
